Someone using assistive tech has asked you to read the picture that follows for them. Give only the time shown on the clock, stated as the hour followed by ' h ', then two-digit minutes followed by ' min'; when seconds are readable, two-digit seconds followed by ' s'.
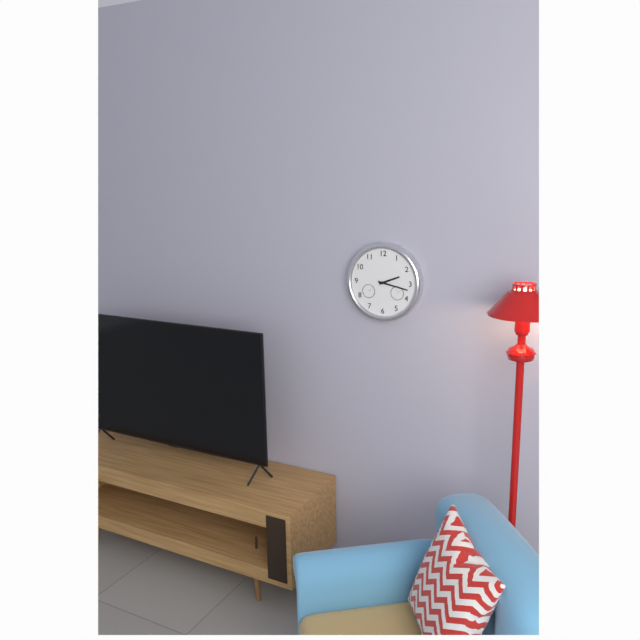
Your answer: 2 h 17 min
